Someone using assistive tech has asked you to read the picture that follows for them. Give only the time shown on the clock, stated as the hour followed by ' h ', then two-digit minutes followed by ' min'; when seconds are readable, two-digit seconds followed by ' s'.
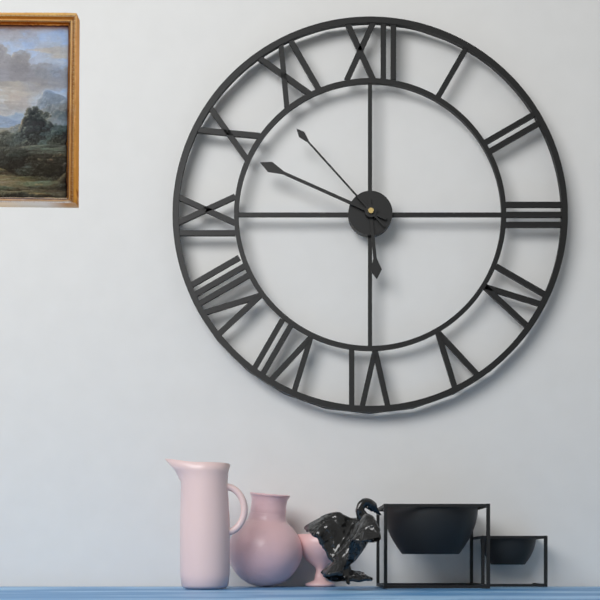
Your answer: 5 h 49 min 53 s
